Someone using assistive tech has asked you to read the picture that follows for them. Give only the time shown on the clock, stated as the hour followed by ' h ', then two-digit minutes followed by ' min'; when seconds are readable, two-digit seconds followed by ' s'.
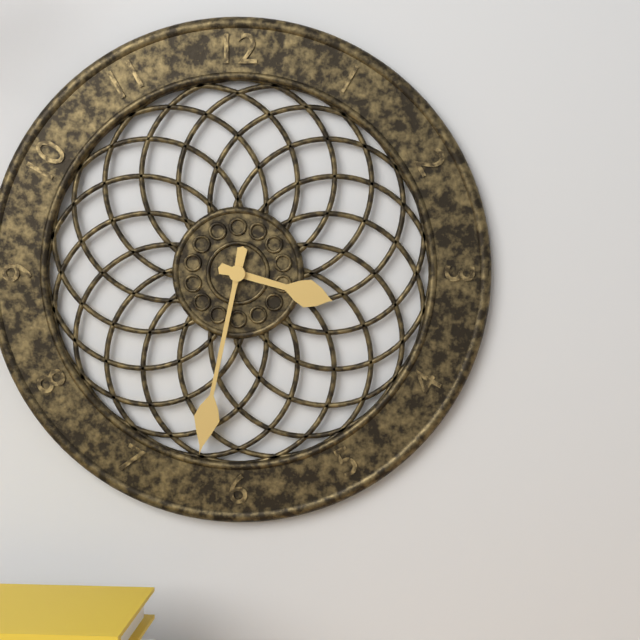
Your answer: 3 h 32 min
